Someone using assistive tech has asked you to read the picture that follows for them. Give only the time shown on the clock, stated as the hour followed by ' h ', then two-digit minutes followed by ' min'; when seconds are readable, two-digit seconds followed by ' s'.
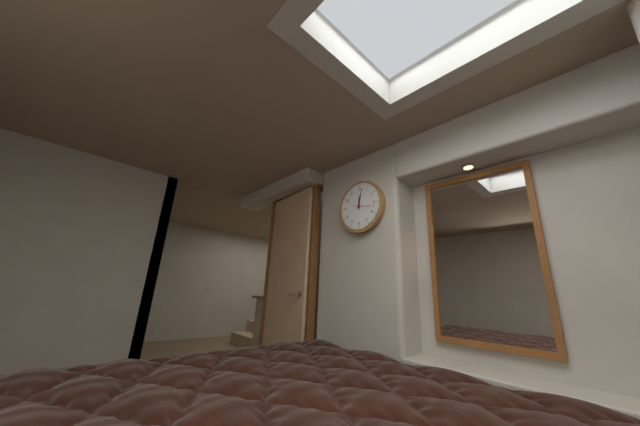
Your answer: 12 h 02 min
